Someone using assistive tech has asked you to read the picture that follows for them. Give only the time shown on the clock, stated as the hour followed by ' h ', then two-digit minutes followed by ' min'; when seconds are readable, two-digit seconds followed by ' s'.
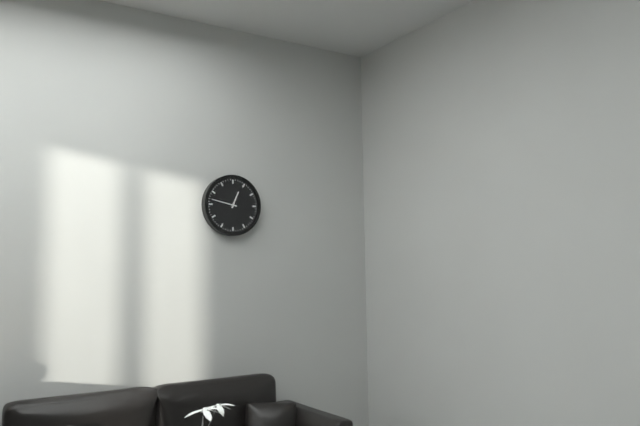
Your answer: 12 h 47 min
